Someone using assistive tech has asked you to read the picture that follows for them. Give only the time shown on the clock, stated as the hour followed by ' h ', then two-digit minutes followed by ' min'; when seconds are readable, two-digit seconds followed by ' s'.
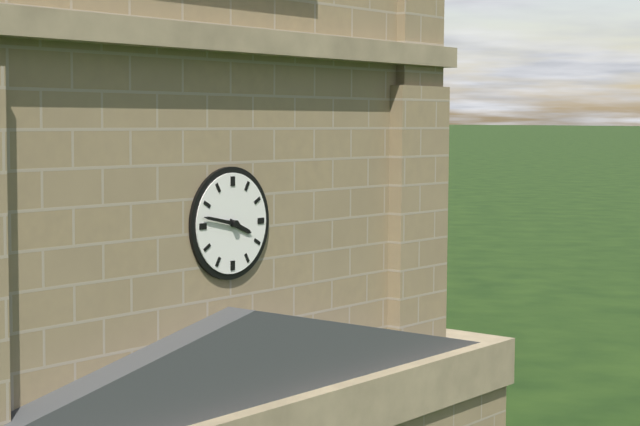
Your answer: 3 h 47 min
